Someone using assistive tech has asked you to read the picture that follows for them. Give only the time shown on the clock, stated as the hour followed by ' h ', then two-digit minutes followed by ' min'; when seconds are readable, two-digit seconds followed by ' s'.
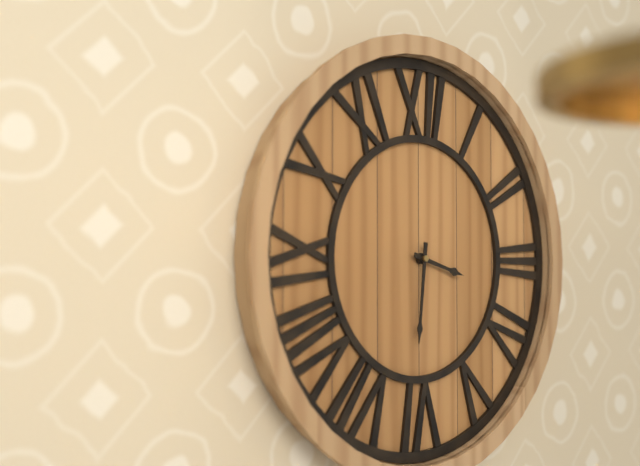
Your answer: 3 h 31 min
